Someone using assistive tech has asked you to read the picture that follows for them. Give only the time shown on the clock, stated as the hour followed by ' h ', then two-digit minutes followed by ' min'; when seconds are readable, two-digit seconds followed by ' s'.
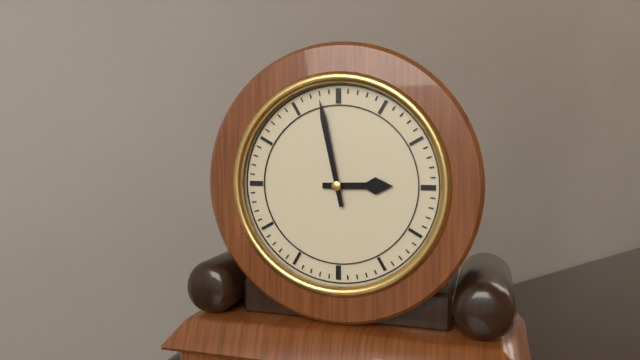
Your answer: 2 h 58 min
